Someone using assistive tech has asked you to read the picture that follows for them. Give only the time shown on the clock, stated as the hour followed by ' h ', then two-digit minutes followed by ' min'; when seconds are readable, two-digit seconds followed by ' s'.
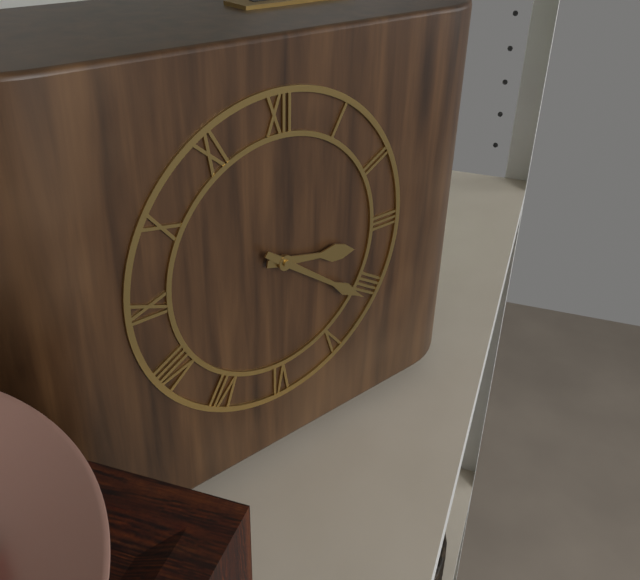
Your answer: 3 h 21 min
